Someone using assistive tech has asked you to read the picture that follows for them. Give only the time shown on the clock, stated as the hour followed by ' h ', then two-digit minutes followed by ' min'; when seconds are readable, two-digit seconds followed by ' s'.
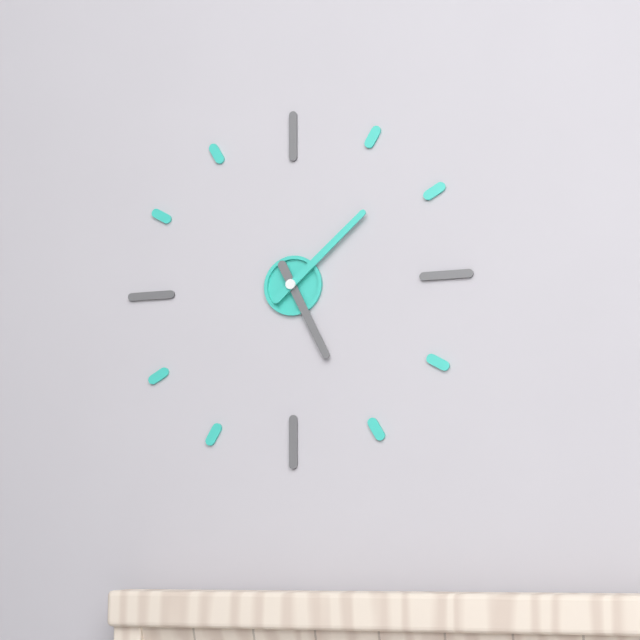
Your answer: 5 h 08 min
